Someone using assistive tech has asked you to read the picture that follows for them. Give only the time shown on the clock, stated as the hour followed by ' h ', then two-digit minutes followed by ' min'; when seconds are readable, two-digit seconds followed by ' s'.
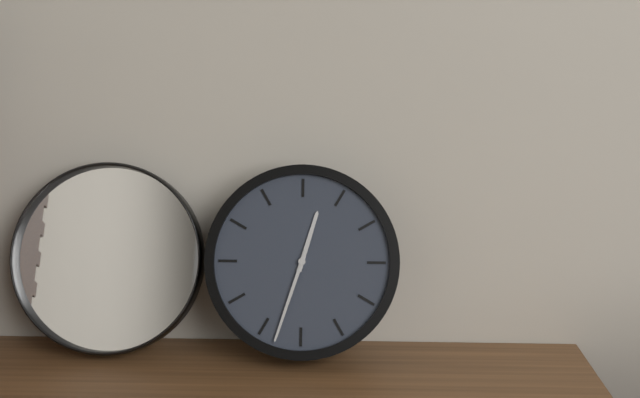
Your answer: 12 h 33 min
